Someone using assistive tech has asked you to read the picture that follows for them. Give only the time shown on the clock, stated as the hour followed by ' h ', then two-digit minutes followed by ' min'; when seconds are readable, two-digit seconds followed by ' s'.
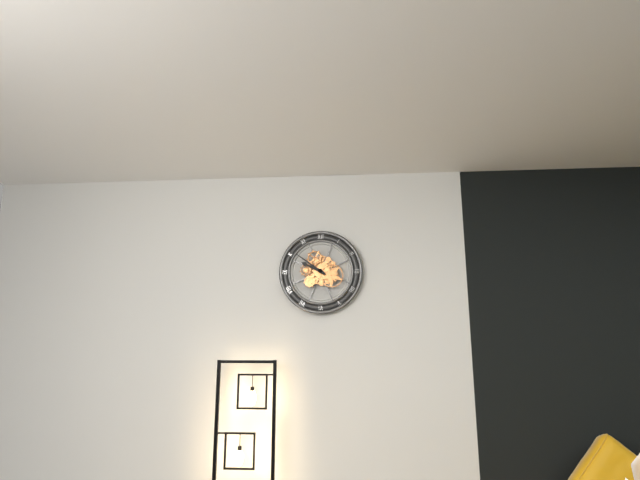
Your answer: 9 h 51 min
